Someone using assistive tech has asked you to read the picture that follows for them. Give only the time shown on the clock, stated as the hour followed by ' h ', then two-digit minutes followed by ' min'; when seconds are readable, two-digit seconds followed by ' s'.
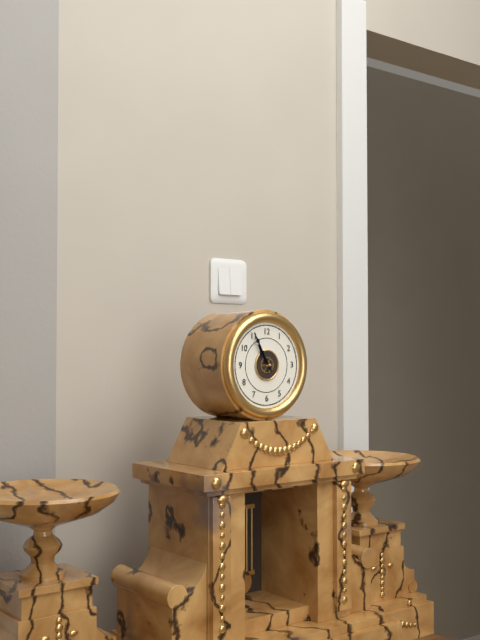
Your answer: 10 h 55 min
